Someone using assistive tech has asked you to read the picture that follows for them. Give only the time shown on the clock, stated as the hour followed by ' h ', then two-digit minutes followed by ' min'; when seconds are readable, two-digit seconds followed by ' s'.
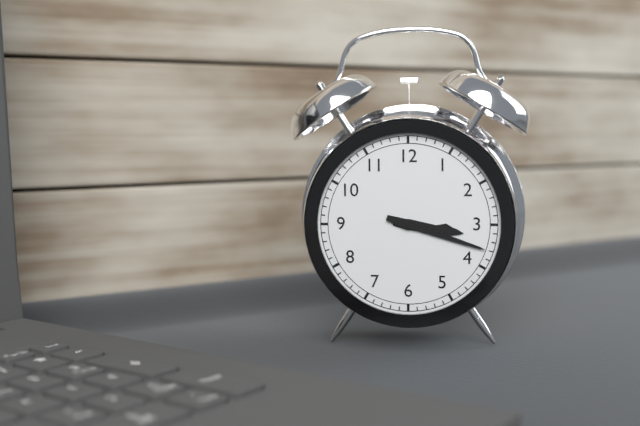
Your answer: 3 h 18 min
